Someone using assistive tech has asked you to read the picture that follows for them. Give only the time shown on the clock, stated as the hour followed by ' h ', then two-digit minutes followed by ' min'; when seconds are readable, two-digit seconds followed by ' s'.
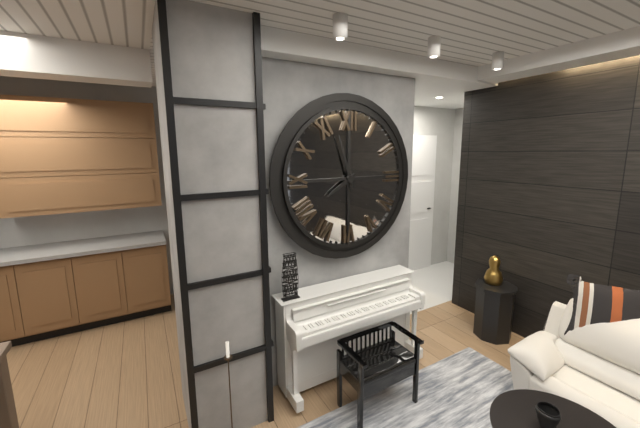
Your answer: 7 h 57 min
